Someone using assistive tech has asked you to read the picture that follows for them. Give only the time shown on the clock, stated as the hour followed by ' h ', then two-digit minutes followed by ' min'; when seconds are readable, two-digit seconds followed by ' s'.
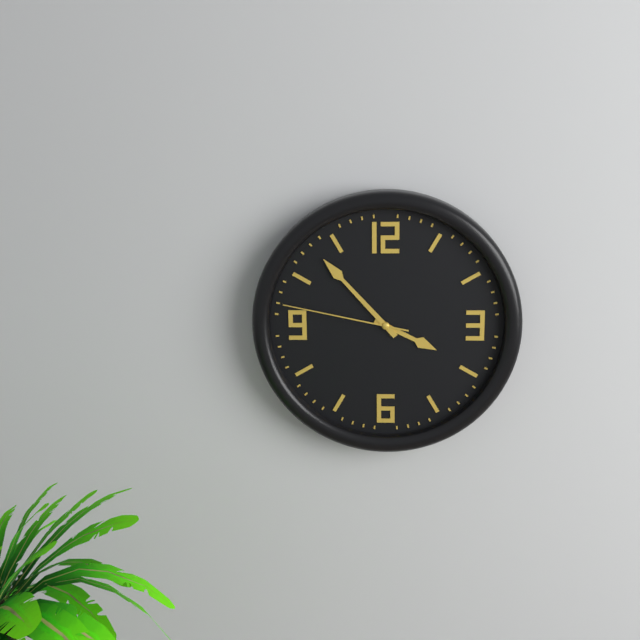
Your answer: 3 h 53 min 47 s
